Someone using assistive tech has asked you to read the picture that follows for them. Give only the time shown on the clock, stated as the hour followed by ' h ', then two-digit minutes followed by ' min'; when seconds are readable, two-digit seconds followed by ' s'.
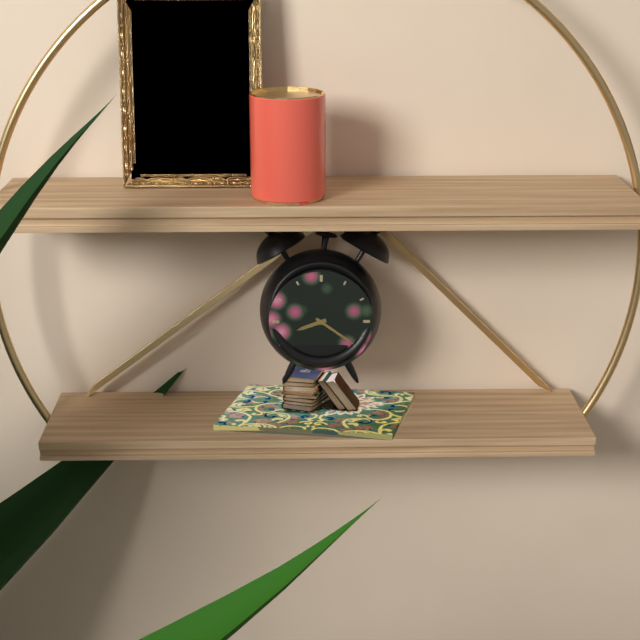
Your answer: 8 h 21 min
